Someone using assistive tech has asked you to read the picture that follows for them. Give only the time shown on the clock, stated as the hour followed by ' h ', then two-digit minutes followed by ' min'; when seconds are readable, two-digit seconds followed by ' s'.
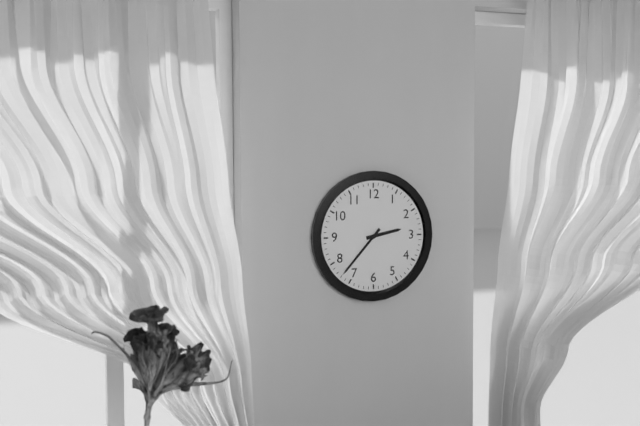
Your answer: 2 h 37 min
